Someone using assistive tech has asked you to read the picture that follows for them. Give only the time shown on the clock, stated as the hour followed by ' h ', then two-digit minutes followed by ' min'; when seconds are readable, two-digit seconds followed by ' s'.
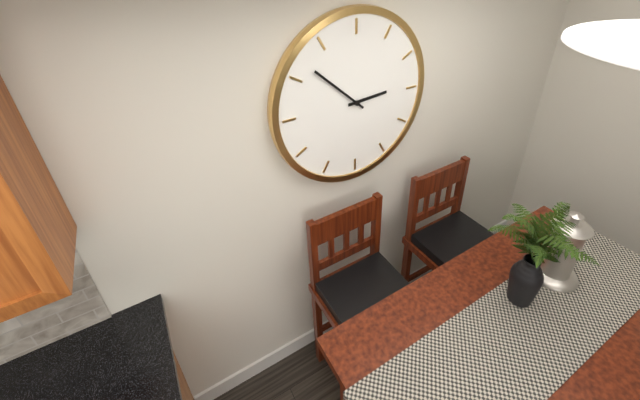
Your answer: 2 h 52 min
